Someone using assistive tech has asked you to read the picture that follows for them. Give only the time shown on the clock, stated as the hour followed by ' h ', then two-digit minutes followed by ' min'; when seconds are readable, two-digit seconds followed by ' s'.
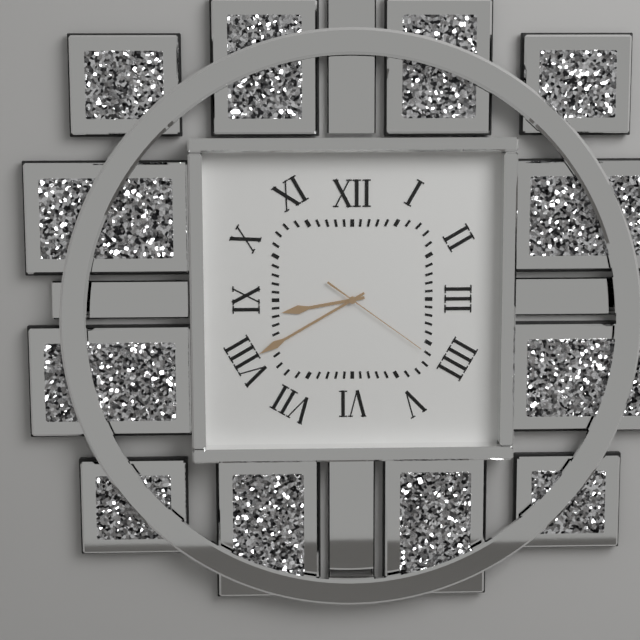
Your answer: 8 h 40 min 21 s
